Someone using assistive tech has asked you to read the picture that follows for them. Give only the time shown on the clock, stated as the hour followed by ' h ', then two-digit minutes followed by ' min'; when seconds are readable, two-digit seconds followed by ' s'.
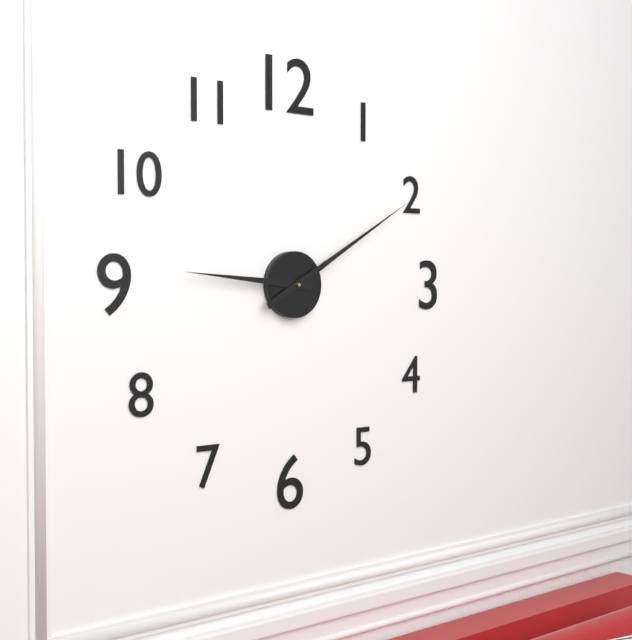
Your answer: 9 h 10 min
